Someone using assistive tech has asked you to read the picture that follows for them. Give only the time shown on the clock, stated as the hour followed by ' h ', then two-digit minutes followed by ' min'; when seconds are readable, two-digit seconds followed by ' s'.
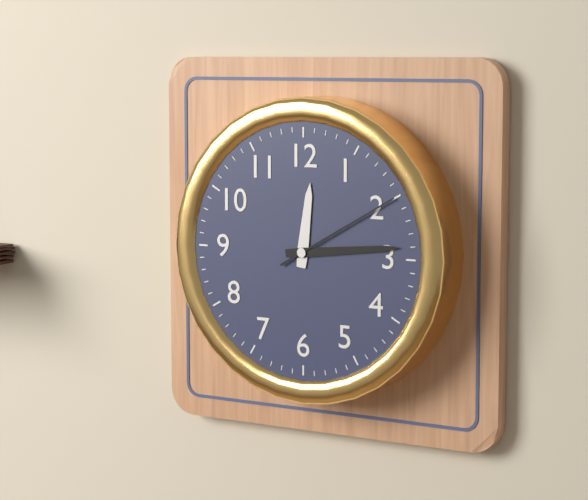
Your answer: 12 h 14 min 10 s
